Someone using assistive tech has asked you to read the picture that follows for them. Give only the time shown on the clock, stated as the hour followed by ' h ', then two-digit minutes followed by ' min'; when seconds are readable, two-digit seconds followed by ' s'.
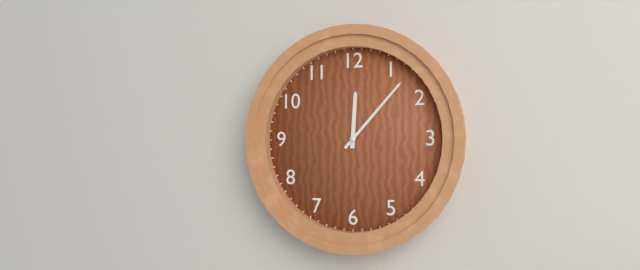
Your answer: 12 h 07 min
